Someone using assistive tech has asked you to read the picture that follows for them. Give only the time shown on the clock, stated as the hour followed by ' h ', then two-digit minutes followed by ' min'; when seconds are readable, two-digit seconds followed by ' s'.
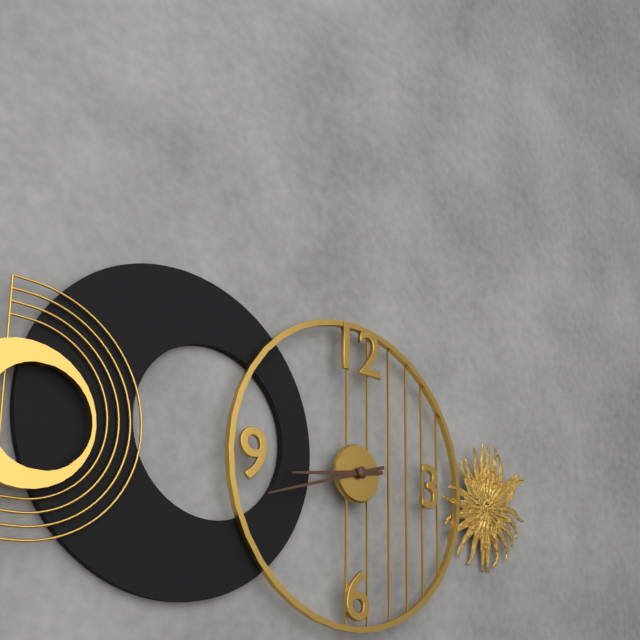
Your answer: 8 h 42 min
